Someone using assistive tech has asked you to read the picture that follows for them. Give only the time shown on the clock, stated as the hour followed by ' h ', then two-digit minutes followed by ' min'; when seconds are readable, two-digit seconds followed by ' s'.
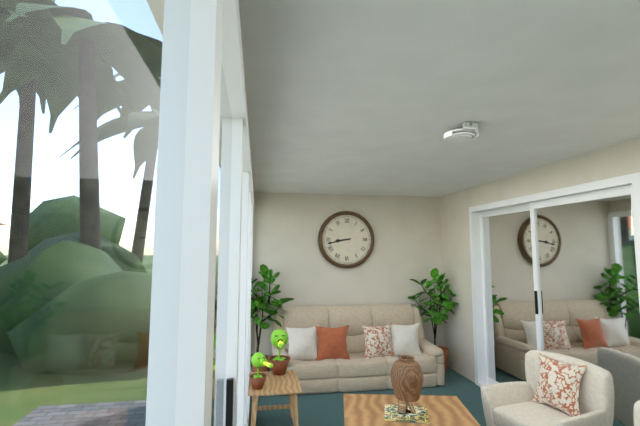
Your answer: 8 h 43 min
